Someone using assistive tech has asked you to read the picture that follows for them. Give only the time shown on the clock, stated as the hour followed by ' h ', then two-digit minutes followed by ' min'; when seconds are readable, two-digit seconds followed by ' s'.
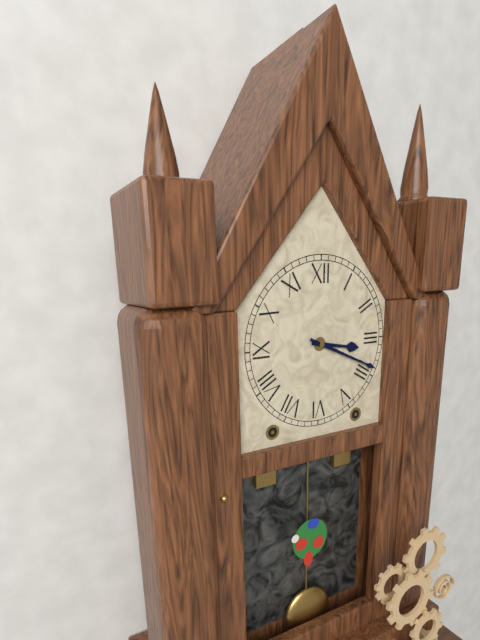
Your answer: 3 h 19 min
